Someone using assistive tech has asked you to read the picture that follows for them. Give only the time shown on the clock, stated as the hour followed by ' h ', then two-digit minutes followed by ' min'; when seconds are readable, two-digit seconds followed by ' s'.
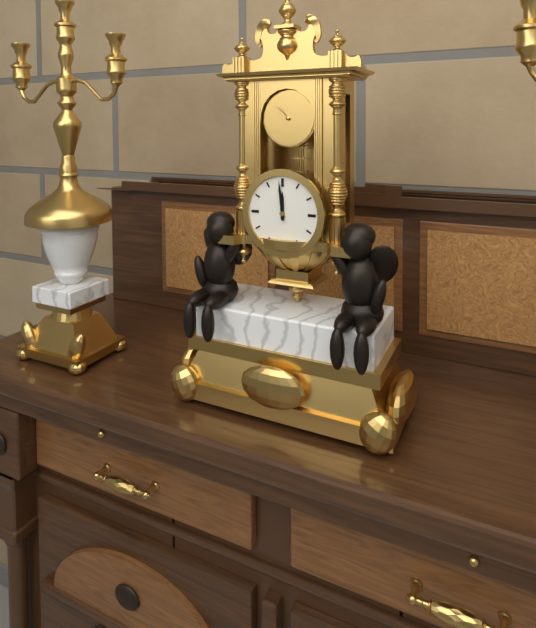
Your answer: 11 h 59 min
